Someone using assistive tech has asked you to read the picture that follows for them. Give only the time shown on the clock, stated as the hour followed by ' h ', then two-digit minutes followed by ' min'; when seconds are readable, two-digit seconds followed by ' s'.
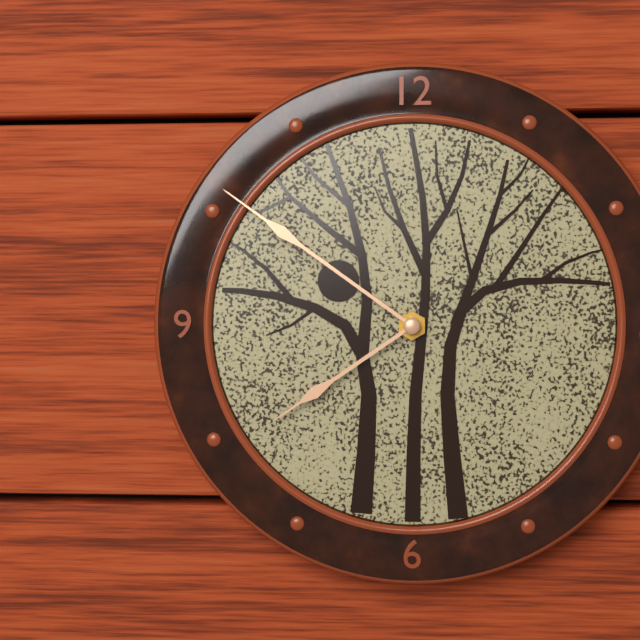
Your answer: 7 h 51 min
